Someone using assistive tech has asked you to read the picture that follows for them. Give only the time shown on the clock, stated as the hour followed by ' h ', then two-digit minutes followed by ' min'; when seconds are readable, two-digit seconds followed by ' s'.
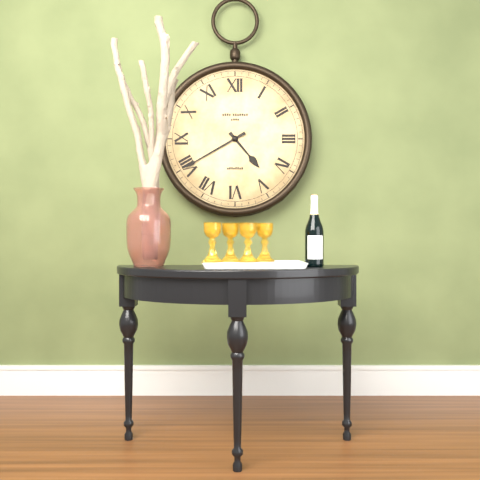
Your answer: 4 h 40 min
